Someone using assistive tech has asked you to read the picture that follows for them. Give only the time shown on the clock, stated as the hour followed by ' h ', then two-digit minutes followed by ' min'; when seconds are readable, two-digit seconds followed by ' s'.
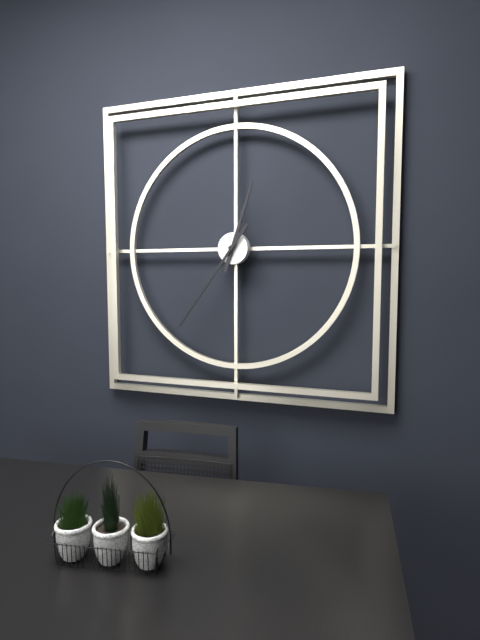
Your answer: 12 h 36 min
